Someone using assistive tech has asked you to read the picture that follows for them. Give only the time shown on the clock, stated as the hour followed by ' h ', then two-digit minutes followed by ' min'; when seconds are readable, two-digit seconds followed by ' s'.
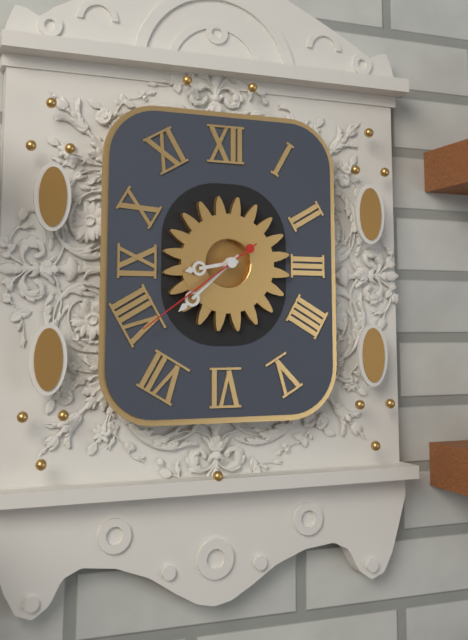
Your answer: 8 h 38 min 39 s
